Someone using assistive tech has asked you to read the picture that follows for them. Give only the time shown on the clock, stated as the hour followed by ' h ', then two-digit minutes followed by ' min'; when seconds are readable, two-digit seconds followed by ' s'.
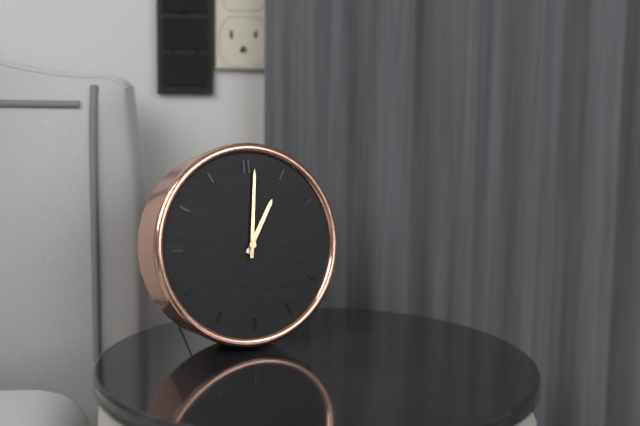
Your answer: 1 h 01 min
